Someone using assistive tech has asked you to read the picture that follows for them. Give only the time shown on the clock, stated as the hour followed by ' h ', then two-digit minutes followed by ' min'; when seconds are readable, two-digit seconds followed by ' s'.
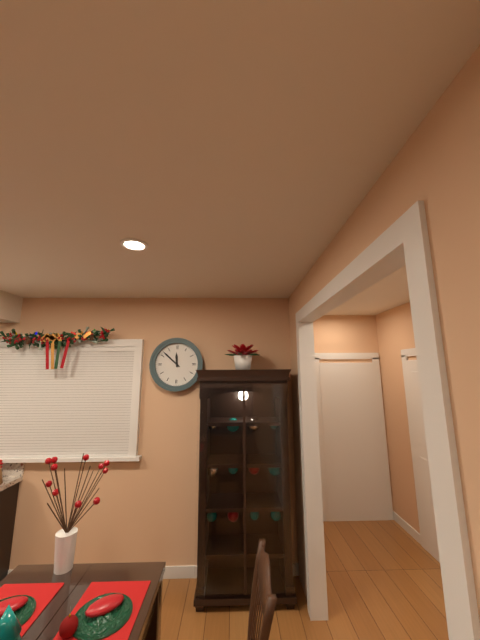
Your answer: 11 h 52 min
